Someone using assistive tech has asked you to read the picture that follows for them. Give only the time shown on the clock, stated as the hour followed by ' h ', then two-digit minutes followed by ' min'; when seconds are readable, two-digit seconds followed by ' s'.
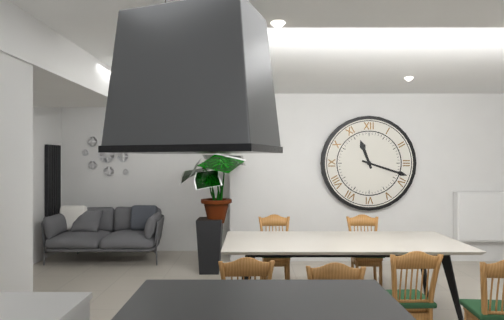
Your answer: 11 h 18 min
